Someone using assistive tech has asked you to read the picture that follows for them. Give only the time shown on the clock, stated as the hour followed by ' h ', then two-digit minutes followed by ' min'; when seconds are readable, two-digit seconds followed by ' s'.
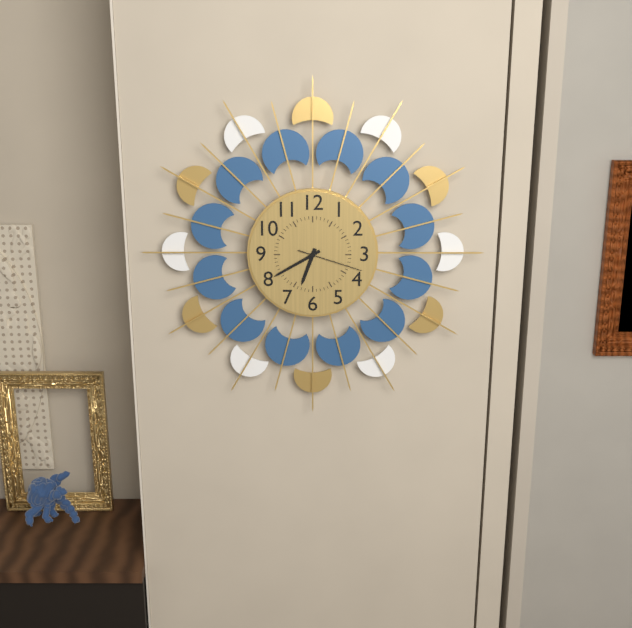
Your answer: 6 h 40 min 18 s
